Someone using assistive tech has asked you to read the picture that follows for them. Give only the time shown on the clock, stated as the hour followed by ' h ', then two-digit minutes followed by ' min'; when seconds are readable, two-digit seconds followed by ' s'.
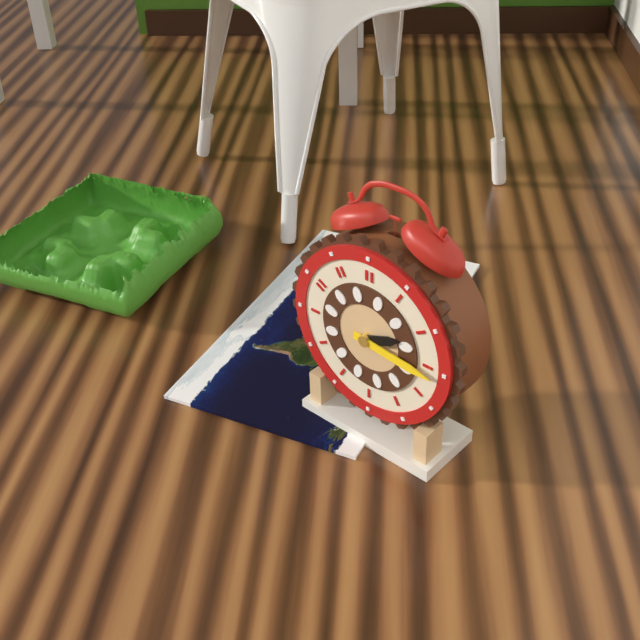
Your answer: 2 h 16 min
